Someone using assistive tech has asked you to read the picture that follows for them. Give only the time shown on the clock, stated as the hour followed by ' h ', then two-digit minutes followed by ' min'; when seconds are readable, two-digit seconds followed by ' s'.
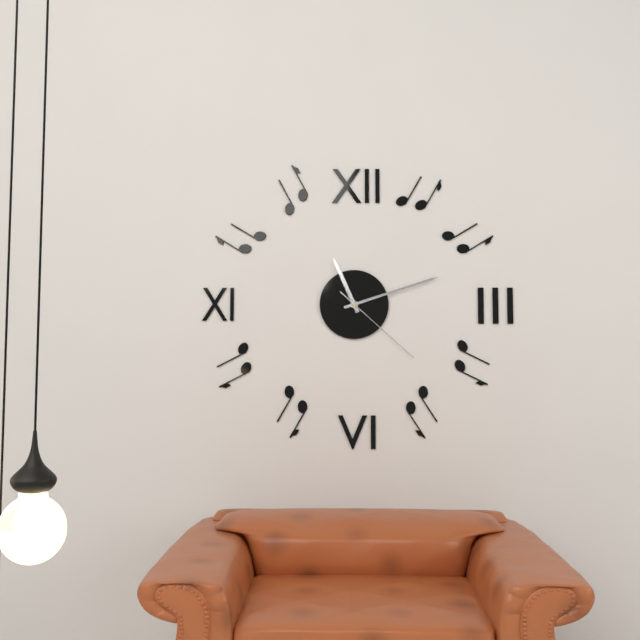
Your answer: 11 h 12 min 22 s
